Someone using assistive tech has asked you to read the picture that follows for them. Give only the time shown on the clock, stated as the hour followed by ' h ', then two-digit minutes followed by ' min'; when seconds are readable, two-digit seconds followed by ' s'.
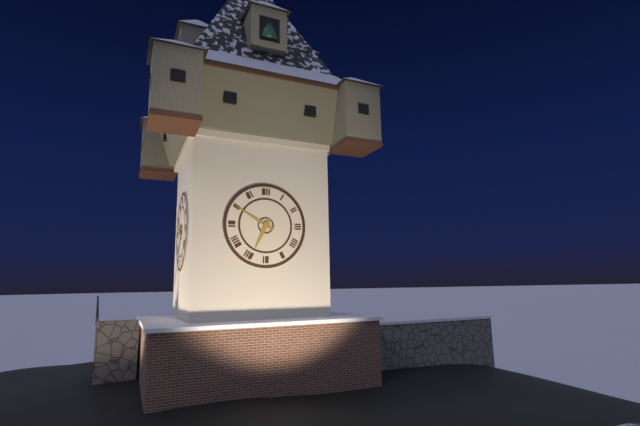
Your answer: 6 h 50 min
